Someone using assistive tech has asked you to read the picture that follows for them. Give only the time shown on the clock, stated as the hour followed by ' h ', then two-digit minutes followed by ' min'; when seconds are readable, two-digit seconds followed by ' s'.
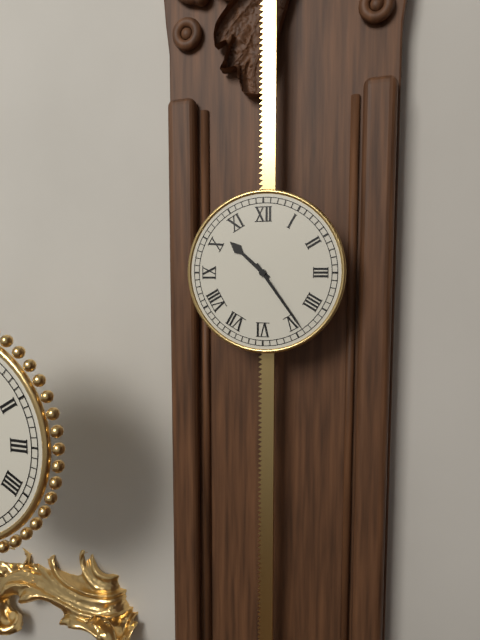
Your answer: 10 h 24 min
